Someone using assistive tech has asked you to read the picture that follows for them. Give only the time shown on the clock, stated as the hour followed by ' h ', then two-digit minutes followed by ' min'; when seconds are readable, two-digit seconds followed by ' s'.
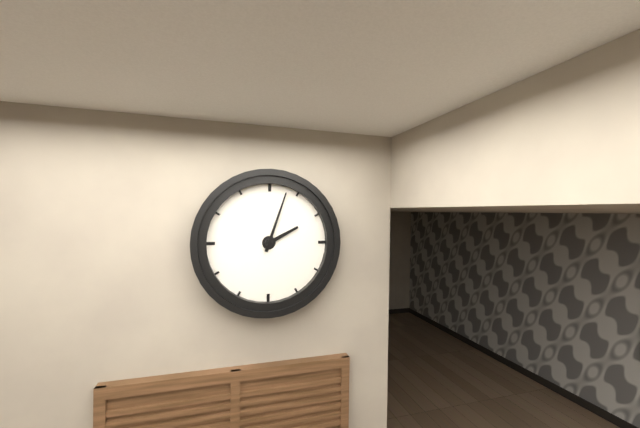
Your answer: 2 h 03 min
